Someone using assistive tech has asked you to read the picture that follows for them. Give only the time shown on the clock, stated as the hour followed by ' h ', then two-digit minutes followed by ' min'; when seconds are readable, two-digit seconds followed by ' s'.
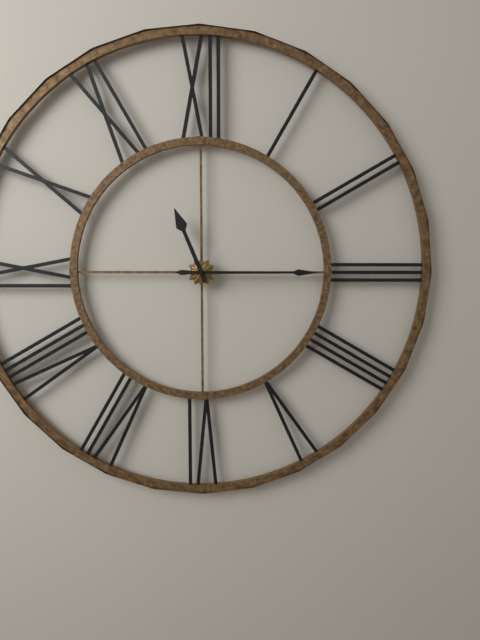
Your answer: 11 h 15 min
